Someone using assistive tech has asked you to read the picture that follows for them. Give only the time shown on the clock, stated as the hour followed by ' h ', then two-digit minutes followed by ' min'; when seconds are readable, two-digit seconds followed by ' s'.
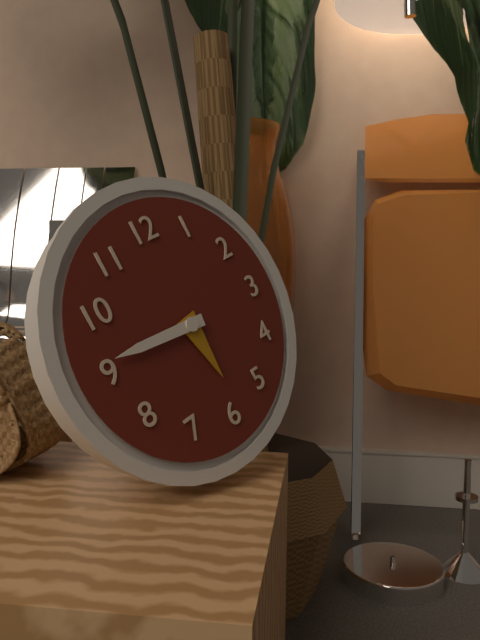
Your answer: 5 h 46 min
